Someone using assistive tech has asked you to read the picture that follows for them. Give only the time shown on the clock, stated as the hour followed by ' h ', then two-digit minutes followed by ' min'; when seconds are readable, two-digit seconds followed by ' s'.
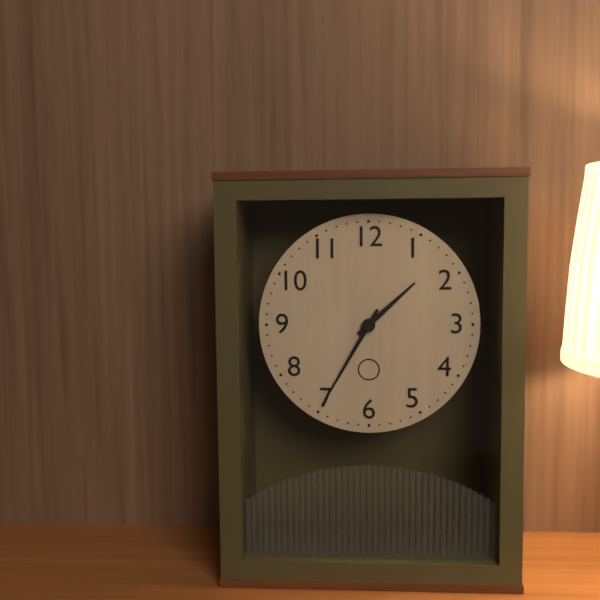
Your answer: 1 h 35 min
